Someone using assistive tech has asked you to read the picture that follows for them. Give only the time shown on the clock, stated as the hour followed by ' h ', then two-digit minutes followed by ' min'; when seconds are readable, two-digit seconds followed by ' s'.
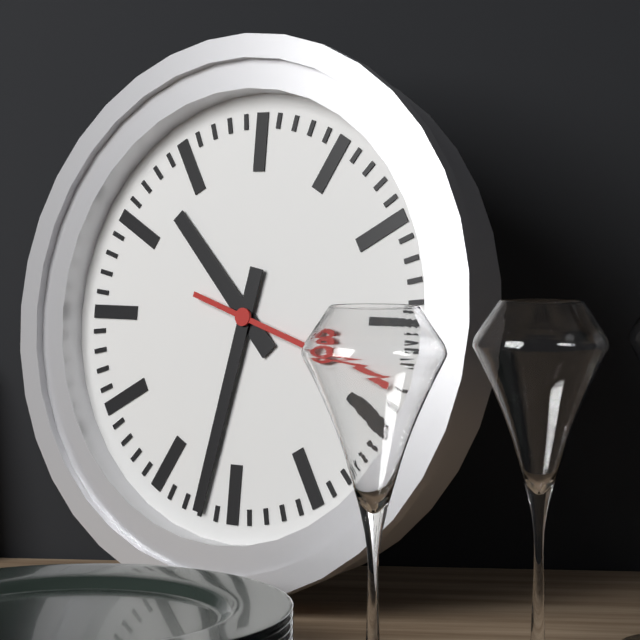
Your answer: 10 h 32 min 18 s
